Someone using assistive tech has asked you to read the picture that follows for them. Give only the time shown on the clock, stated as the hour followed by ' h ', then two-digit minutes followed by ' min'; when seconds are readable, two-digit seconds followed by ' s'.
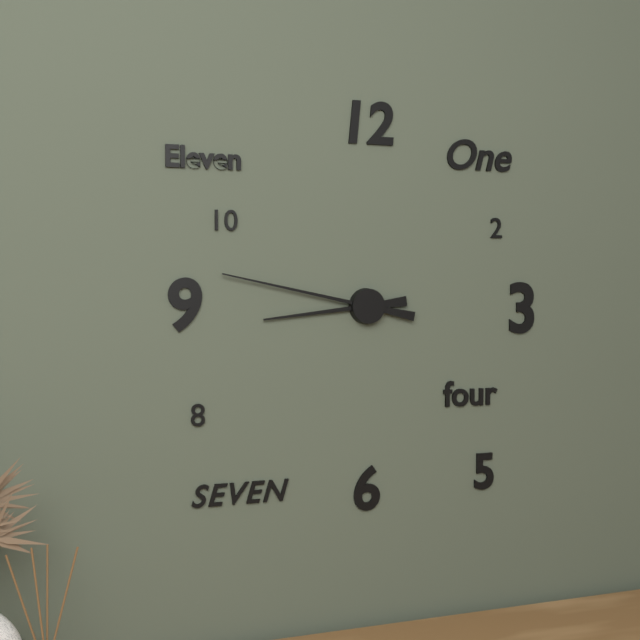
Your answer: 8 h 47 min
